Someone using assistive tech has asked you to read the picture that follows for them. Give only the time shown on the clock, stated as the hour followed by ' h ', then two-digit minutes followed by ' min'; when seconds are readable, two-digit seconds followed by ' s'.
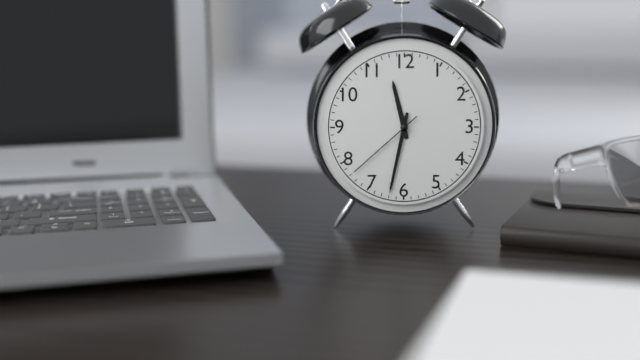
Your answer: 11 h 32 min 38 s
